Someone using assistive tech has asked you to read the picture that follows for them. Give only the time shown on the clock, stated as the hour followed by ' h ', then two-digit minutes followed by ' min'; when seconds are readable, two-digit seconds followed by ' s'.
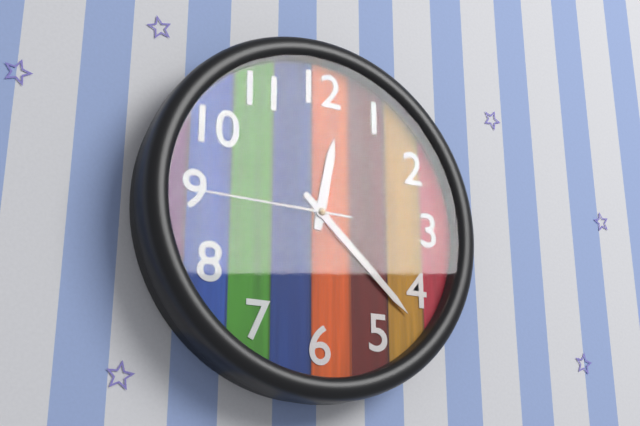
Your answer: 12 h 22 min 45 s
